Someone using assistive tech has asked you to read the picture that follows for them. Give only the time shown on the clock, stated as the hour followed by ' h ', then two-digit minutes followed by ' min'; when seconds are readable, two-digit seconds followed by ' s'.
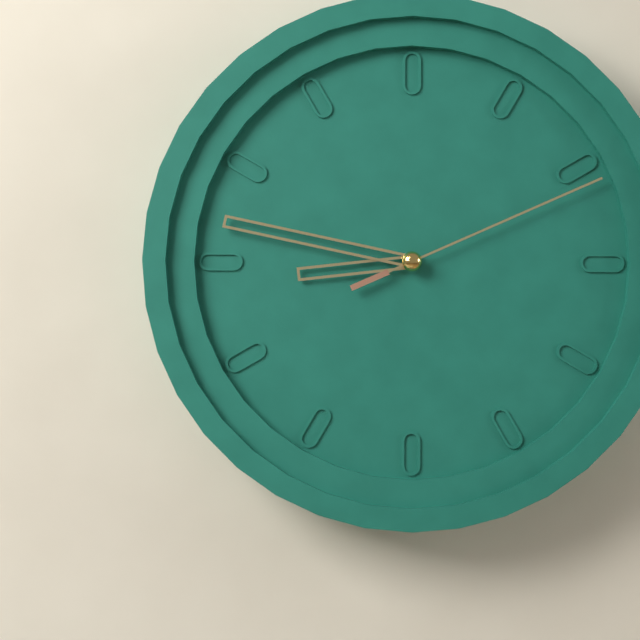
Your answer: 8 h 47 min 11 s
